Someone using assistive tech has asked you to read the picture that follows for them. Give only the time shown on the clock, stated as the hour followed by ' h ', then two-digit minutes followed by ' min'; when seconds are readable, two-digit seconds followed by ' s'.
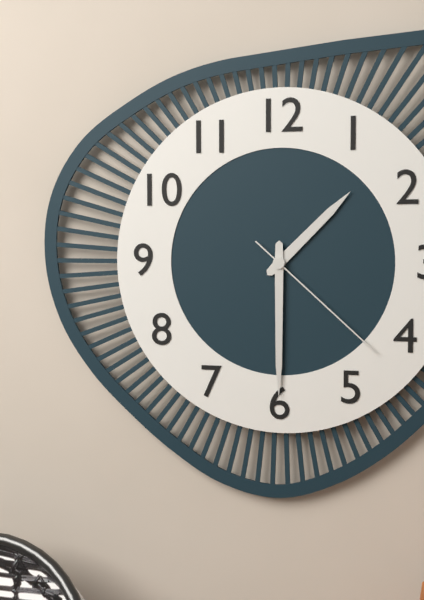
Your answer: 1 h 30 min 22 s
